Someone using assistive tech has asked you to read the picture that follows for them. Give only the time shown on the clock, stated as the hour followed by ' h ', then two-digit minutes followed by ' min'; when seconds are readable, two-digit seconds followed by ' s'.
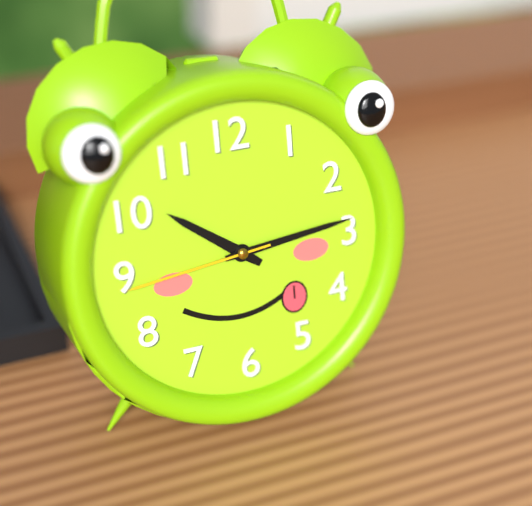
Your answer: 10 h 14 min 44 s
